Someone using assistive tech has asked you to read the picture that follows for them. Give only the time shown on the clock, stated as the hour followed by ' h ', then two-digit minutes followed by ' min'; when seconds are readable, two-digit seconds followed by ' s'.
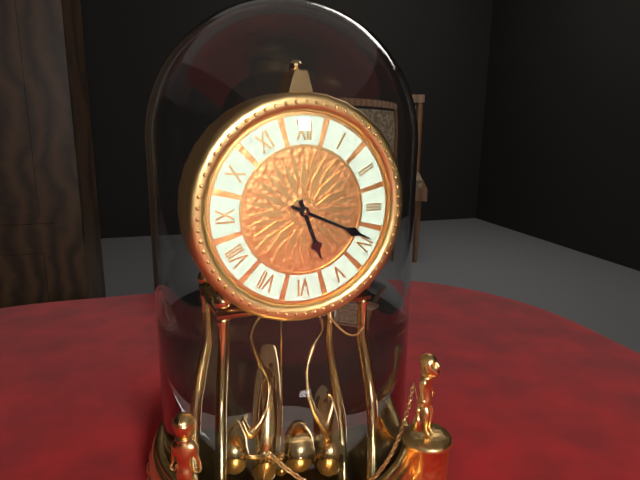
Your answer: 5 h 19 min
